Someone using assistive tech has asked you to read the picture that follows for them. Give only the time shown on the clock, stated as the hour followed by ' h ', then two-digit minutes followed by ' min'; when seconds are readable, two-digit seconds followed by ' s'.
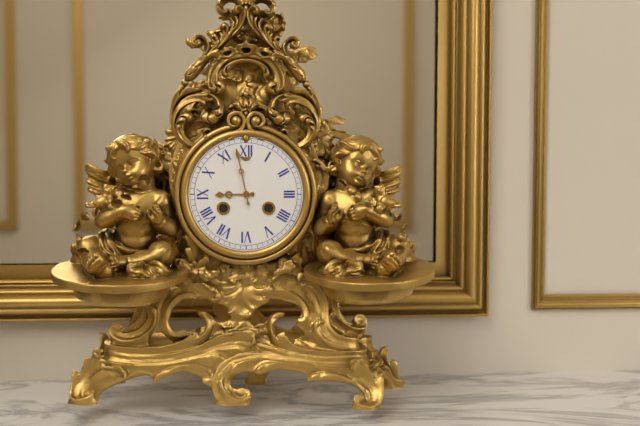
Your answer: 8 h 58 min
